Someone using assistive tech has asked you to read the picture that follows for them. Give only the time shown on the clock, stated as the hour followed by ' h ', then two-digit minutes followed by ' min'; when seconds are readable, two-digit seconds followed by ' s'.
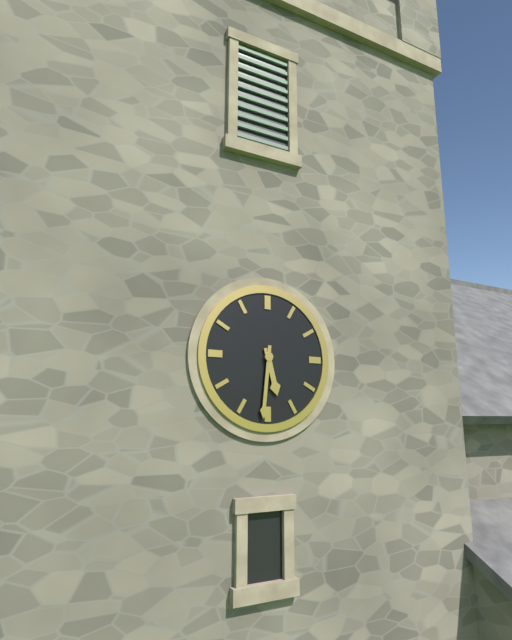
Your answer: 5 h 31 min
